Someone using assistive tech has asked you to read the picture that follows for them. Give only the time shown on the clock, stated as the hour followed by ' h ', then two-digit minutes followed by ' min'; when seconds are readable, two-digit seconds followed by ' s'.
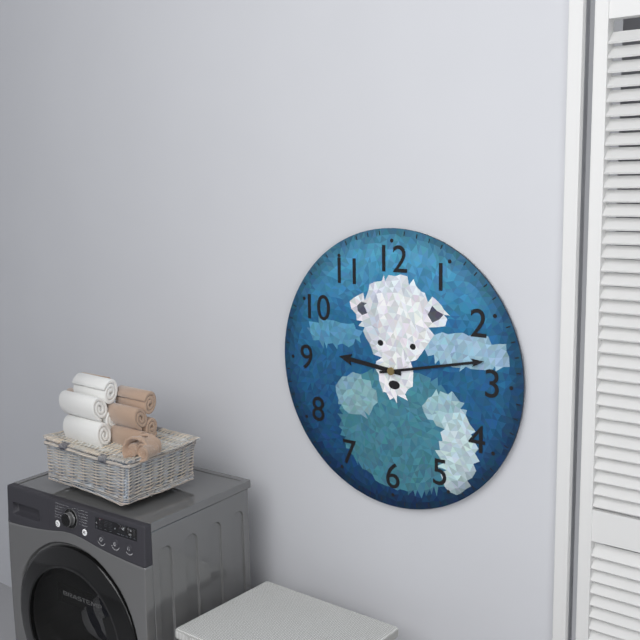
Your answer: 9 h 13 min
